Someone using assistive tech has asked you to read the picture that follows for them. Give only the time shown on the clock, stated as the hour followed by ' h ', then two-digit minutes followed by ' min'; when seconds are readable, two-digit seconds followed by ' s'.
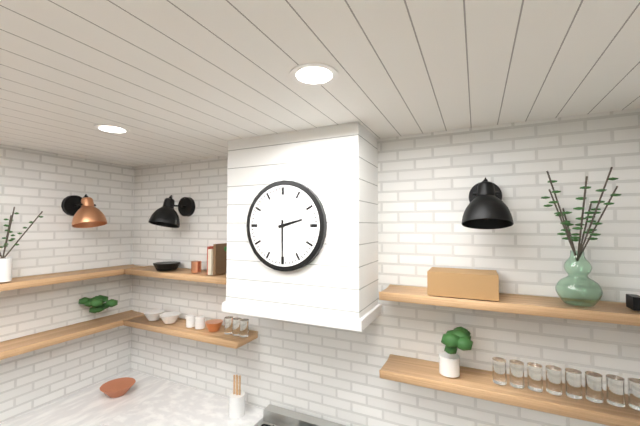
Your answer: 2 h 30 min
